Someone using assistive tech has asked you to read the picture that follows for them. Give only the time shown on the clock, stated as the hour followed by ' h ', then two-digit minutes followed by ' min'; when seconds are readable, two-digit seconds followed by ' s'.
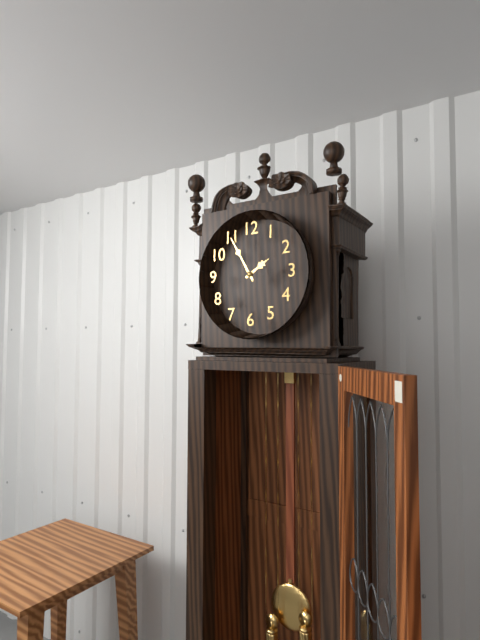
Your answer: 1 h 55 min
